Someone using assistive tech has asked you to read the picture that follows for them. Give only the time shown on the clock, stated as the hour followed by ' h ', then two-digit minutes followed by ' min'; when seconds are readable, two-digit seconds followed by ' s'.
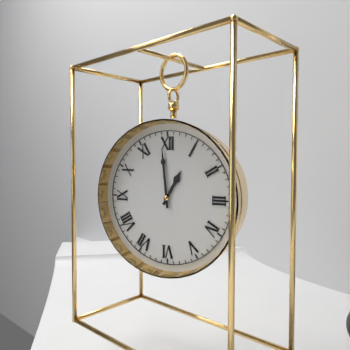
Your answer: 12 h 59 min
